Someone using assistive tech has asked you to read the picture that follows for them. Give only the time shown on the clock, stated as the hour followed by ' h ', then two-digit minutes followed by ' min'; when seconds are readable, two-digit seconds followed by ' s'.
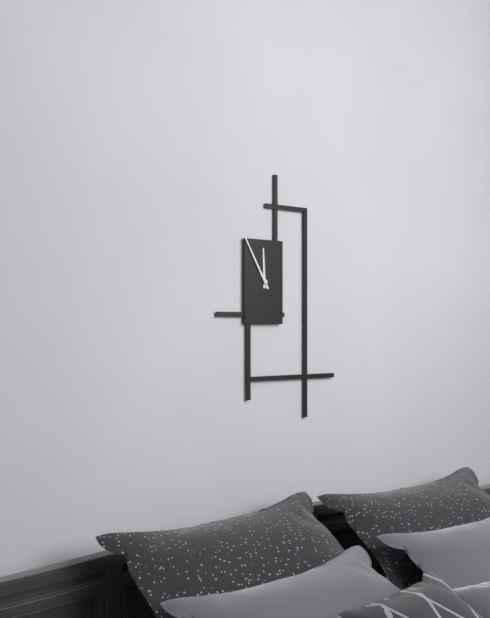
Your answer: 11 h 55 min
